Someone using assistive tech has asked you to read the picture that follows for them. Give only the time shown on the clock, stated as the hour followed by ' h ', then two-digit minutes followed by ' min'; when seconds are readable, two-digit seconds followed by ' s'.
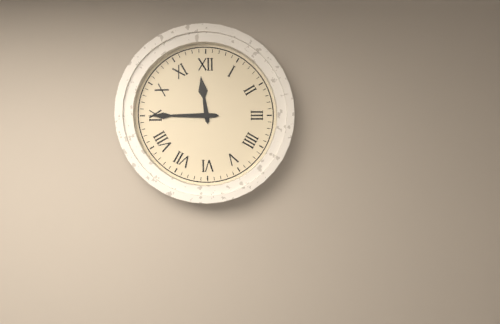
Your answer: 11 h 45 min
